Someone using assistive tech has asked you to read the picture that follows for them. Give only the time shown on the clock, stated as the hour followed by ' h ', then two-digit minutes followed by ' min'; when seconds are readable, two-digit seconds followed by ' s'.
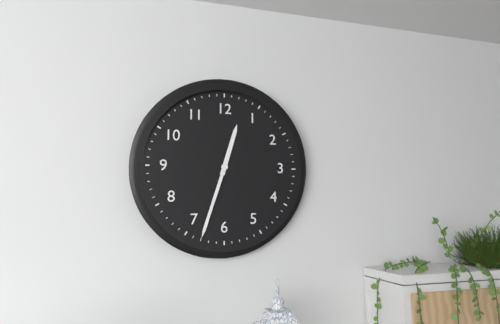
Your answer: 12 h 33 min
